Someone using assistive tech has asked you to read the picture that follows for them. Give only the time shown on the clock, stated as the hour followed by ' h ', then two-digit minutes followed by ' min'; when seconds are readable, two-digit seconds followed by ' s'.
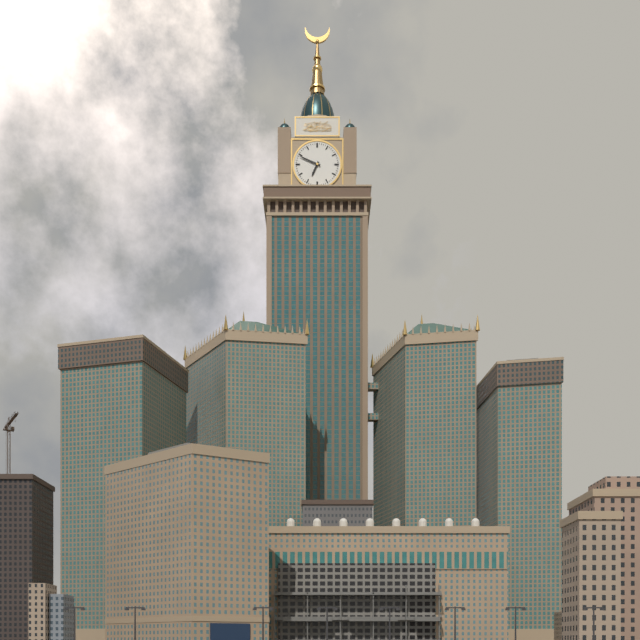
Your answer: 6 h 49 min
